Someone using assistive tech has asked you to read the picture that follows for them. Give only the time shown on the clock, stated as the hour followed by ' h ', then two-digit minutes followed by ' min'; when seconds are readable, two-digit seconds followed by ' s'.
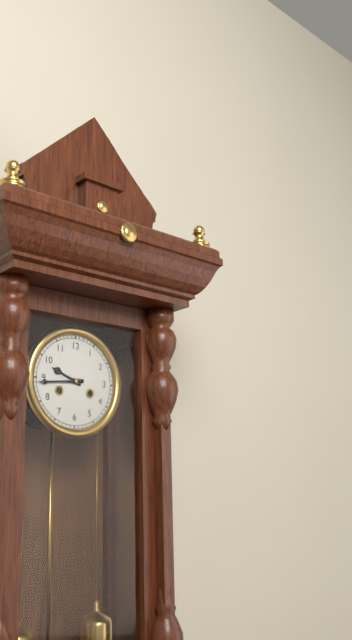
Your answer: 9 h 44 min
